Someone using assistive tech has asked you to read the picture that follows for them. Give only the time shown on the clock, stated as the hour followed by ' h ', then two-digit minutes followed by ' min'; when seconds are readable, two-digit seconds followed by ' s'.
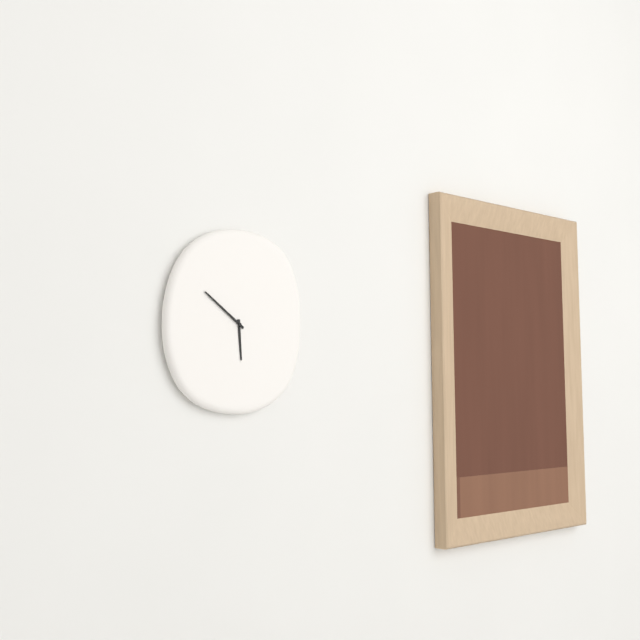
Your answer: 5 h 51 min
